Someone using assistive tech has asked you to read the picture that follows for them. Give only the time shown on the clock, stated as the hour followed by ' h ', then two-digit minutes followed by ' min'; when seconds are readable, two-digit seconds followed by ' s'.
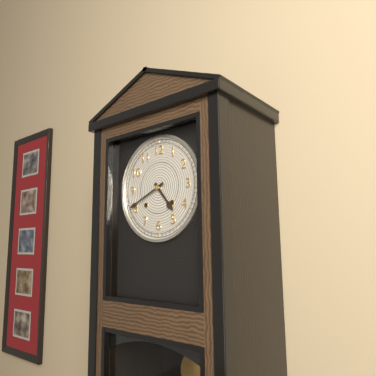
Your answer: 4 h 41 min
